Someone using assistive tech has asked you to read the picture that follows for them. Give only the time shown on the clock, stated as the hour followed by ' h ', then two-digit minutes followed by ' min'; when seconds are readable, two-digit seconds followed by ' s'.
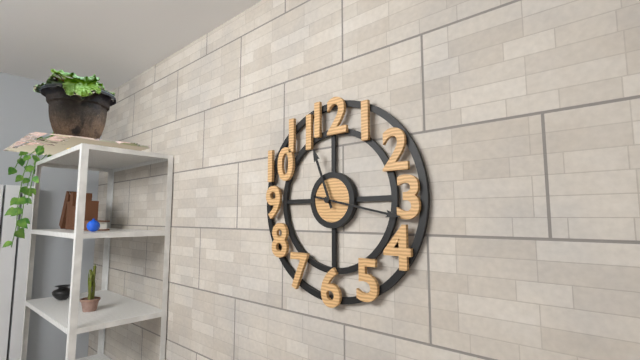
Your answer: 11 h 17 min
